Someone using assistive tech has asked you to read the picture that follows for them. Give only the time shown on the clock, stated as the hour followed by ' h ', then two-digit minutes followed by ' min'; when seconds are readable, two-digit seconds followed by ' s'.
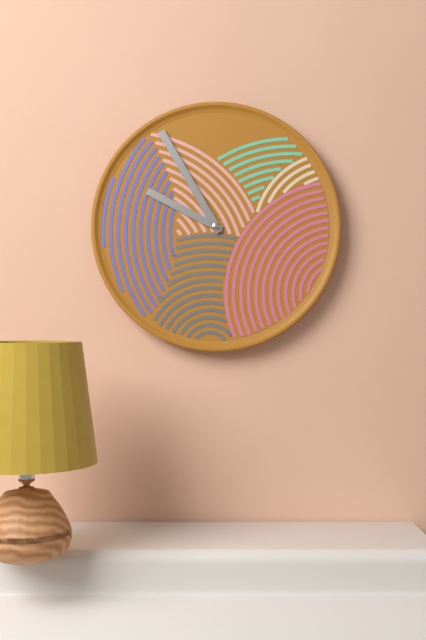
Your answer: 9 h 55 min
